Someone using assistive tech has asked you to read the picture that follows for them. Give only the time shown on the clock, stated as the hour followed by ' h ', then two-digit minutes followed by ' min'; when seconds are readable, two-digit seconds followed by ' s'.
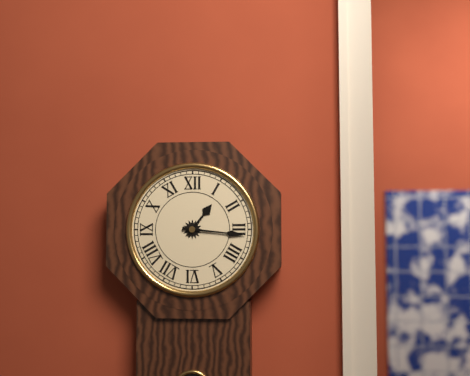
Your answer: 1 h 16 min
